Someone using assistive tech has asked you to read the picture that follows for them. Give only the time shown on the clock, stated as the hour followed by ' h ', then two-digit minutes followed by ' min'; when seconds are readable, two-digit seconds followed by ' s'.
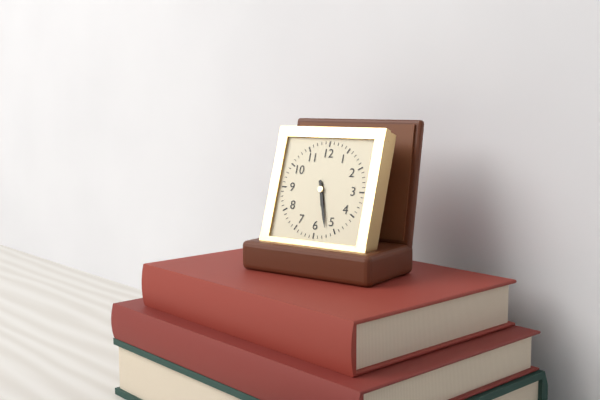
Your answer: 5 h 27 min
